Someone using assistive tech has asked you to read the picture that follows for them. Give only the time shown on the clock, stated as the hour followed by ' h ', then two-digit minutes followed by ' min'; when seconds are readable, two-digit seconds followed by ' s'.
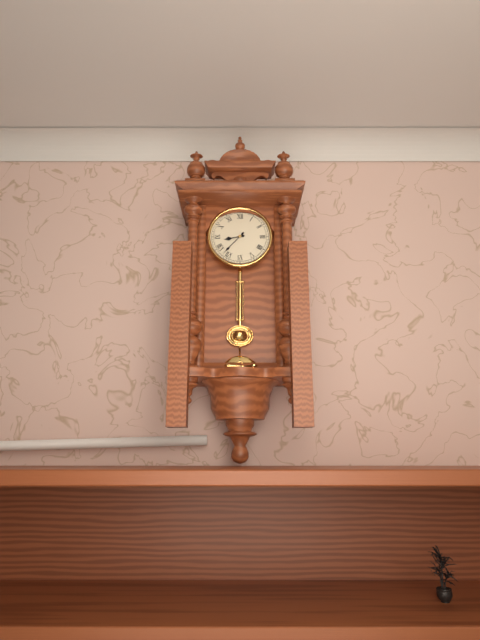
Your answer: 8 h 37 min
